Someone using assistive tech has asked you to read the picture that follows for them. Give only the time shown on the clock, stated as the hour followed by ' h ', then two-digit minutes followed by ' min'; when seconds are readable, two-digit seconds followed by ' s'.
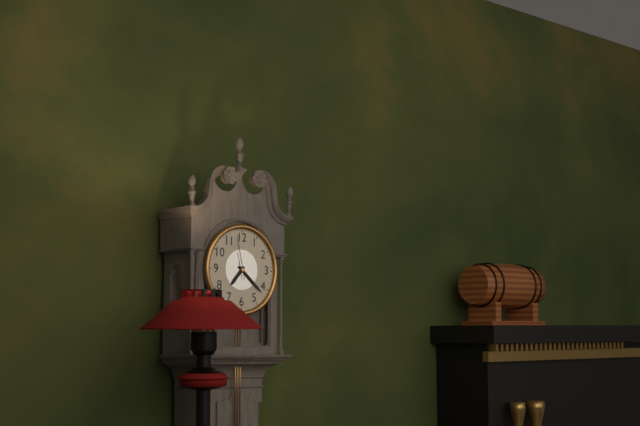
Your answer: 7 h 22 min
